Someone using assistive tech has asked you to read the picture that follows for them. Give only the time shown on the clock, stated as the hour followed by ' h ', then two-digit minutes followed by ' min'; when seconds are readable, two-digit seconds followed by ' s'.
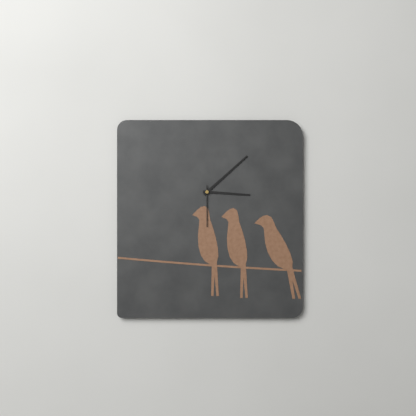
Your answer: 3 h 08 min
